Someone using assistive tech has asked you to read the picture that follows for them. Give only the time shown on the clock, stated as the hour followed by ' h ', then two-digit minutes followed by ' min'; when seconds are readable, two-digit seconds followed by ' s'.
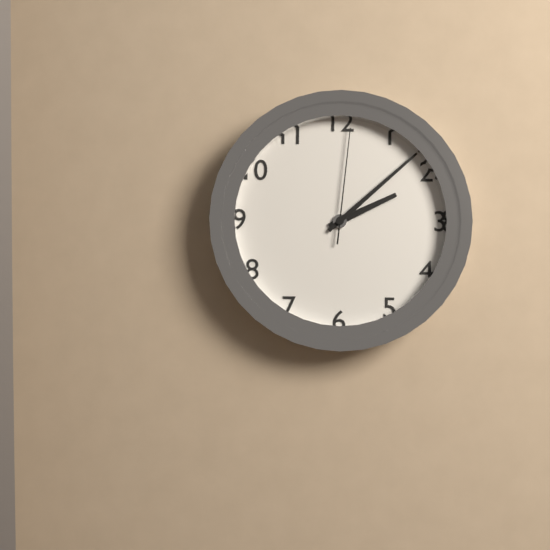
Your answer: 2 h 08 min 01 s
